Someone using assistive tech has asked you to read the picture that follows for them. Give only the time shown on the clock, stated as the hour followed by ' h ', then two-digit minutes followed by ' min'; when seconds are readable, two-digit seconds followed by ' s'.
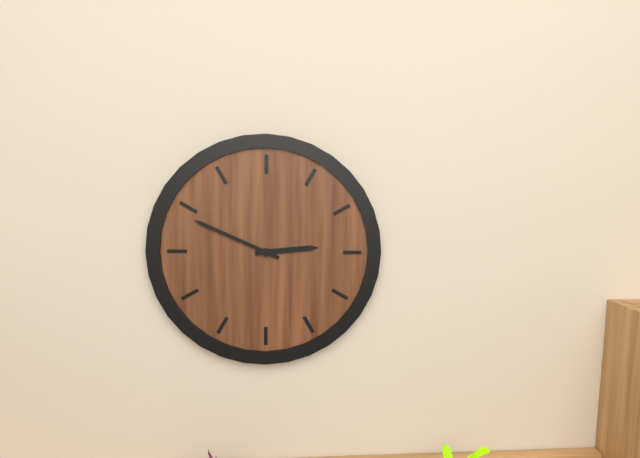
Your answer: 2 h 49 min
